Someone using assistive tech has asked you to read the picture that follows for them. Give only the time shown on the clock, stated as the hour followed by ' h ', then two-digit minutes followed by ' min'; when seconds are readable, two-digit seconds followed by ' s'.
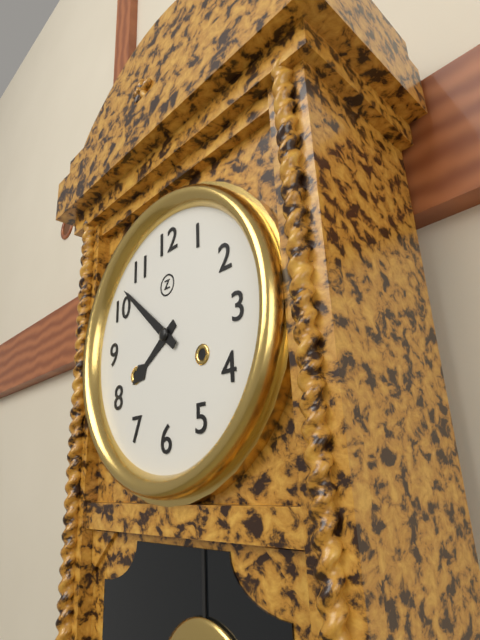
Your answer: 7 h 52 min
